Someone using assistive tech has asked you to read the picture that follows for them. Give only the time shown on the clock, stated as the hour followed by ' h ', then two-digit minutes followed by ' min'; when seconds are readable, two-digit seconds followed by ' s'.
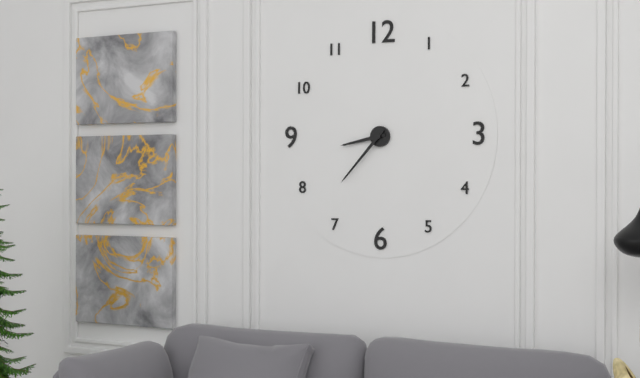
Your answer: 8 h 37 min
